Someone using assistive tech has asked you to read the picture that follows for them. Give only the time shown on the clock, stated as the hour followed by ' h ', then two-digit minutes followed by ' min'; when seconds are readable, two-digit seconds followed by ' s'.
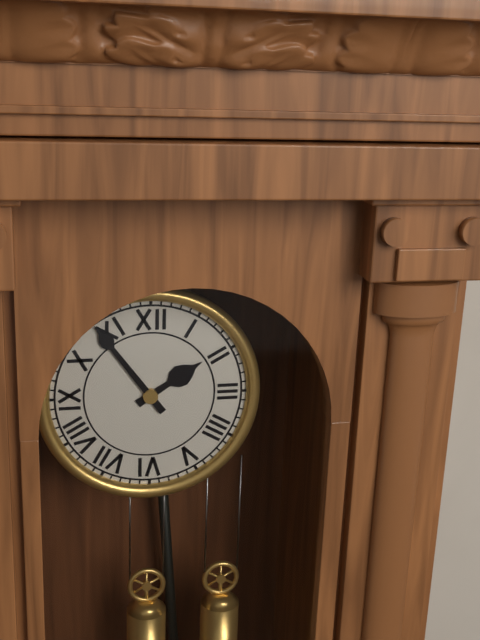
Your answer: 1 h 54 min
